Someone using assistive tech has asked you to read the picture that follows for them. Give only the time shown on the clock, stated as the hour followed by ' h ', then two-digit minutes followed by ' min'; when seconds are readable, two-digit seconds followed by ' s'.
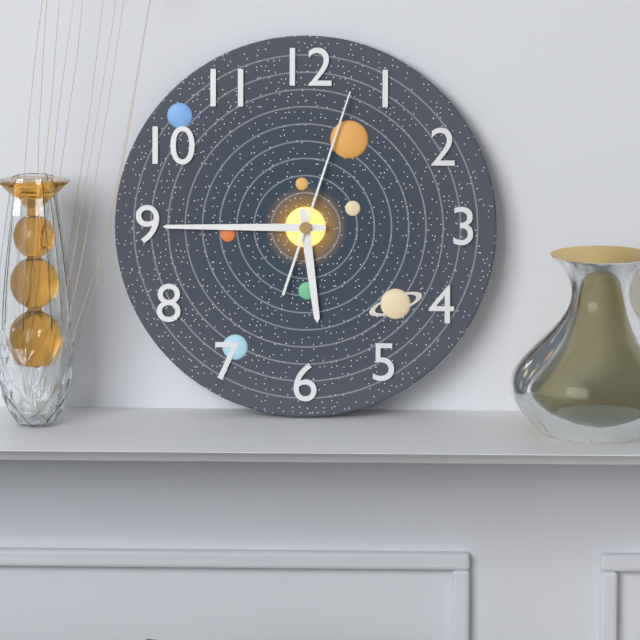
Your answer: 5 h 45 min 03 s
